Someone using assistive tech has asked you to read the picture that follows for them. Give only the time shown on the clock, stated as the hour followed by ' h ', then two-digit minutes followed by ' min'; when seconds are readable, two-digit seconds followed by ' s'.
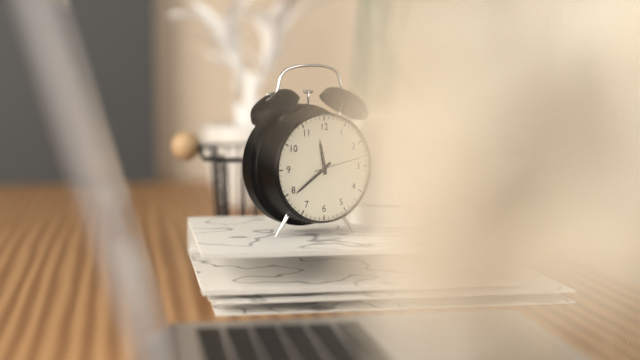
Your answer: 11 h 39 min
